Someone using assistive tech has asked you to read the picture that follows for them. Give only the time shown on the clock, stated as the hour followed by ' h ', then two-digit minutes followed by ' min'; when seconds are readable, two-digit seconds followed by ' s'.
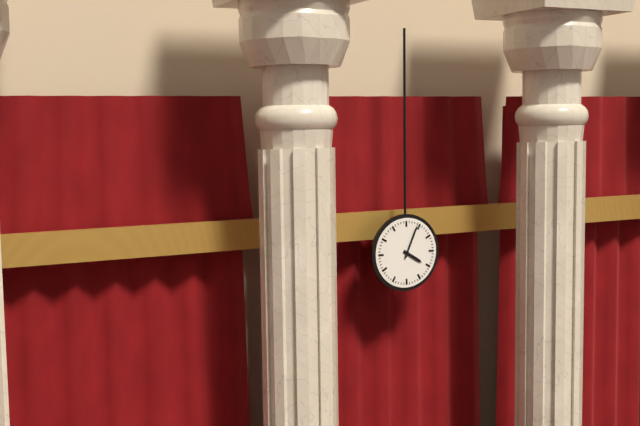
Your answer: 4 h 04 min
